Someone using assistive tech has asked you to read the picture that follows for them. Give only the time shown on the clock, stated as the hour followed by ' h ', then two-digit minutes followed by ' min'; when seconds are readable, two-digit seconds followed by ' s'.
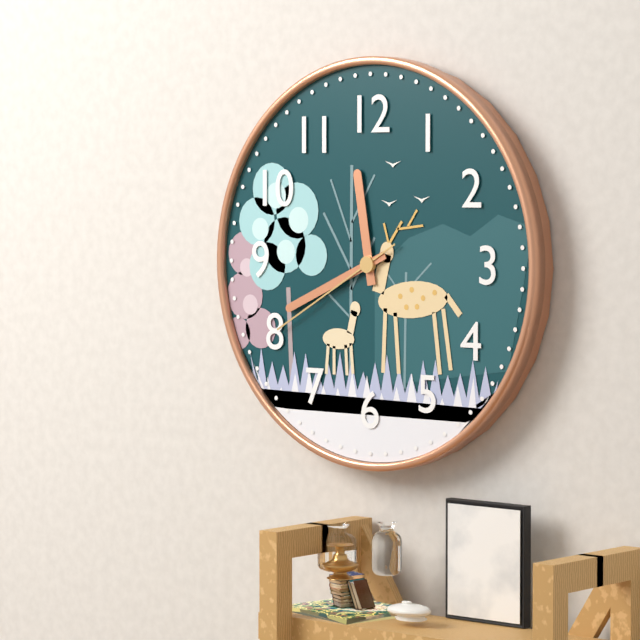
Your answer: 11 h 41 min 40 s
